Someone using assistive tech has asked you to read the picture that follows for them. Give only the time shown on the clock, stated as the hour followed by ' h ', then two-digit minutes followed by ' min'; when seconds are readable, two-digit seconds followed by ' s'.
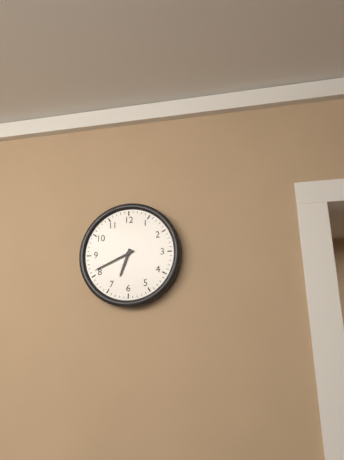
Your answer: 6 h 41 min
